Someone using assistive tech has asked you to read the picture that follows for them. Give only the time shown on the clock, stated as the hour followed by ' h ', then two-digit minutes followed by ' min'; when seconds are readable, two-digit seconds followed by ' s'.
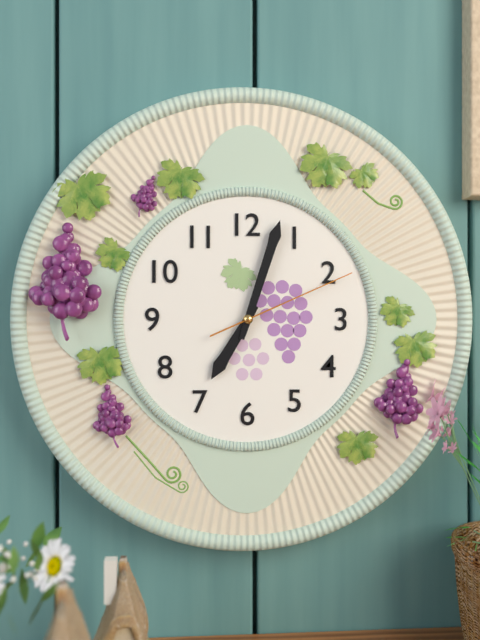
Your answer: 7 h 03 min 11 s
